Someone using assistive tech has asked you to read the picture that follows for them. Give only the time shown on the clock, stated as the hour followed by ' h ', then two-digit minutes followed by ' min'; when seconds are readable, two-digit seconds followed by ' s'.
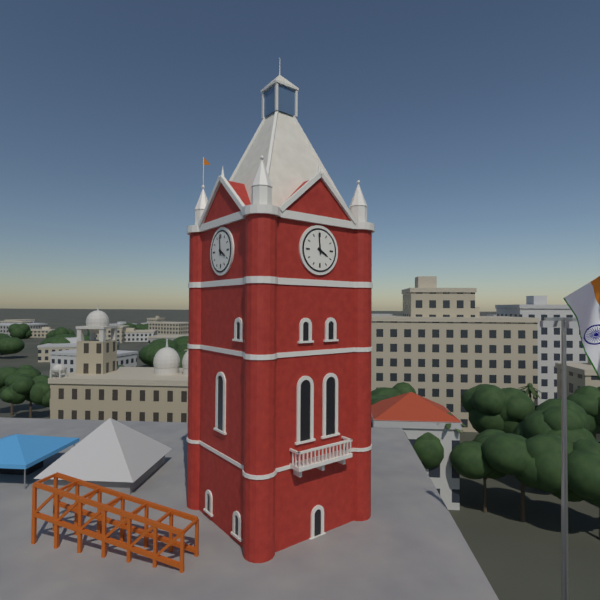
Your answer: 3 h 59 min
